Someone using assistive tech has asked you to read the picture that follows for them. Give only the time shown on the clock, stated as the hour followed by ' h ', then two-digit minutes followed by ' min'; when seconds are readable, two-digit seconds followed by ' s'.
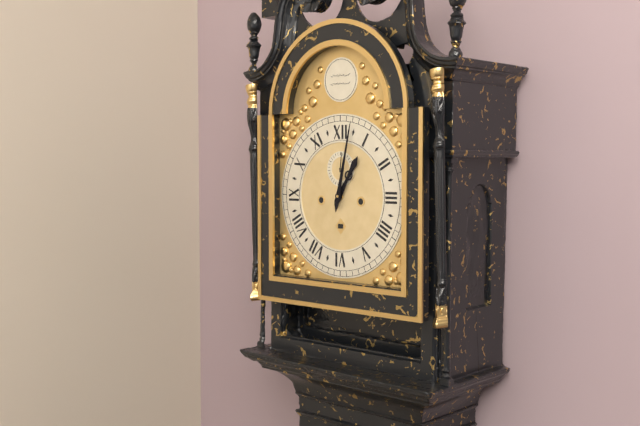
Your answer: 1 h 02 min
